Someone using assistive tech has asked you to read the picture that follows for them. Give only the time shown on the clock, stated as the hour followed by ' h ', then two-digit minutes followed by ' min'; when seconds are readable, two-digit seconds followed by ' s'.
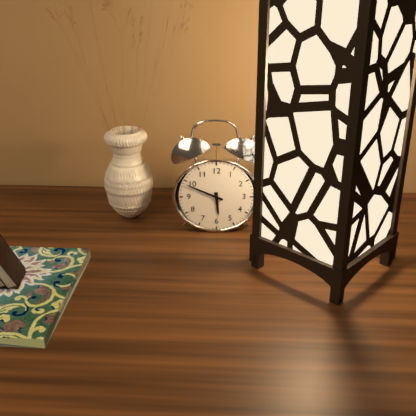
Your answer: 5 h 49 min
